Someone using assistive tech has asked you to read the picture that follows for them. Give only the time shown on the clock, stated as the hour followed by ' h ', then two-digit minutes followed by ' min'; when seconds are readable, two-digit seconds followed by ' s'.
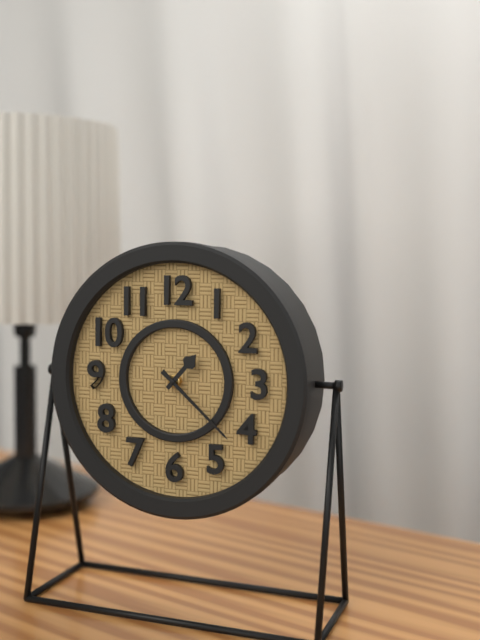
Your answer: 1 h 22 min
